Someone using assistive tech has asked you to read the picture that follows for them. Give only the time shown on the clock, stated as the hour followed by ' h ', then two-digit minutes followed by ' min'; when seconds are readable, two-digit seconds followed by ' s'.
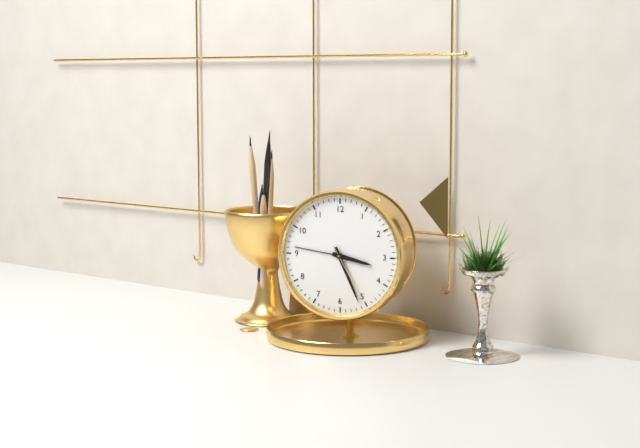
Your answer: 3 h 26 min 25 s
